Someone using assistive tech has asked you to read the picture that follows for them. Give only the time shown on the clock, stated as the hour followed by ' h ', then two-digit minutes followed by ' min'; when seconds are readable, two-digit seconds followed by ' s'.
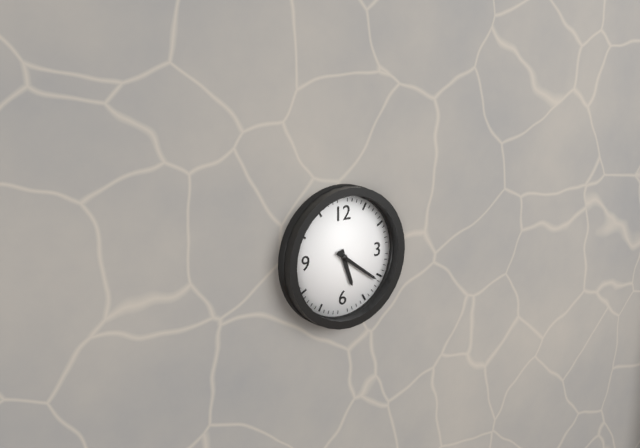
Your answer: 5 h 21 min
